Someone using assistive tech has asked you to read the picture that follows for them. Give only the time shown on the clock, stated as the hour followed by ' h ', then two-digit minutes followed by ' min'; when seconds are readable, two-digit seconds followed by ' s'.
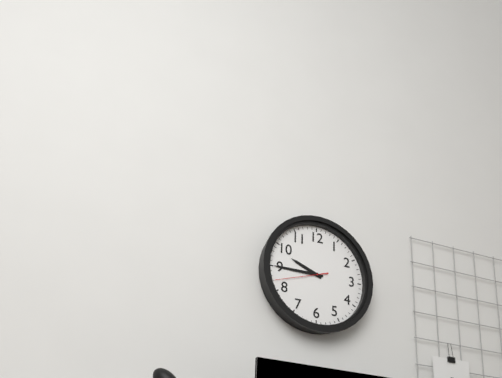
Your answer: 9 h 45 min 42 s
